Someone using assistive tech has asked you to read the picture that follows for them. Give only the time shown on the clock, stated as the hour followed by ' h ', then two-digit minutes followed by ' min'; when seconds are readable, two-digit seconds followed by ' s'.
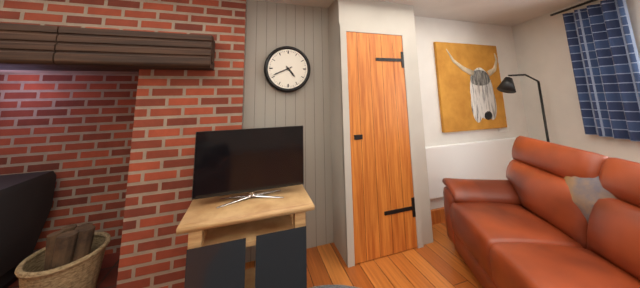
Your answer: 4 h 41 min
